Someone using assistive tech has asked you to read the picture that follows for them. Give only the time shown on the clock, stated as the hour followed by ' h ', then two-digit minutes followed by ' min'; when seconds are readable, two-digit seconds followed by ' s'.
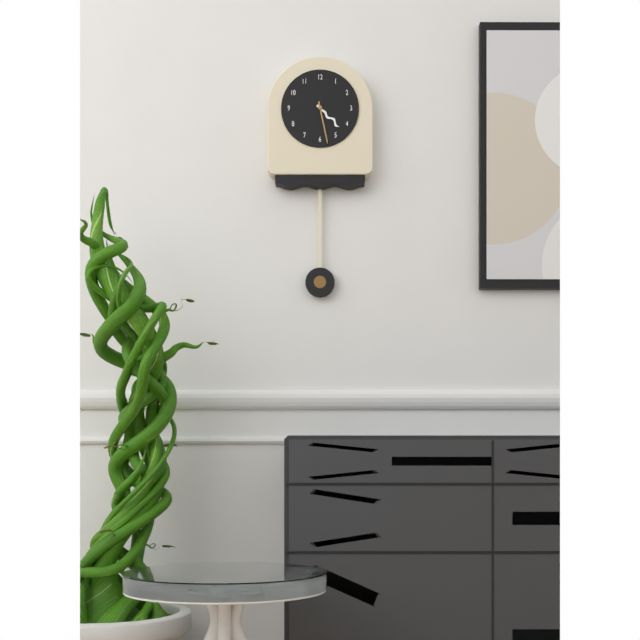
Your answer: 4 h 28 min
